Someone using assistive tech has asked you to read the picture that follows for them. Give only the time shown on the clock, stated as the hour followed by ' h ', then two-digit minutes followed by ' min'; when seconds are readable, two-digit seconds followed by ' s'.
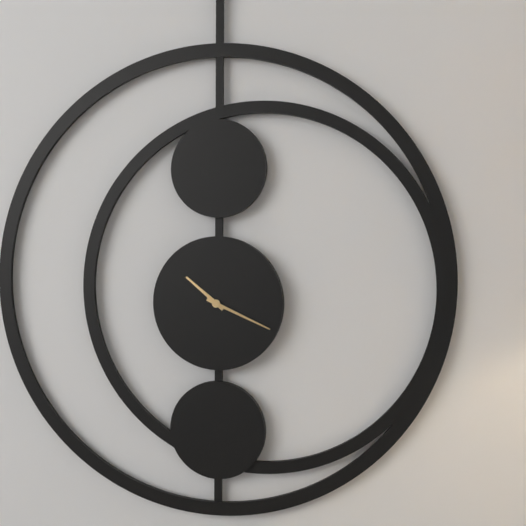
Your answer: 10 h 19 min
